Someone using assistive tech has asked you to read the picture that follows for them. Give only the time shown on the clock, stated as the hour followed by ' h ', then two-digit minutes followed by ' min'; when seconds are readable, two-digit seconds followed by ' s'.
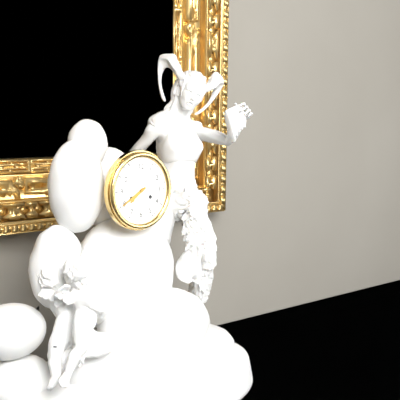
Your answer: 7 h 40 min
